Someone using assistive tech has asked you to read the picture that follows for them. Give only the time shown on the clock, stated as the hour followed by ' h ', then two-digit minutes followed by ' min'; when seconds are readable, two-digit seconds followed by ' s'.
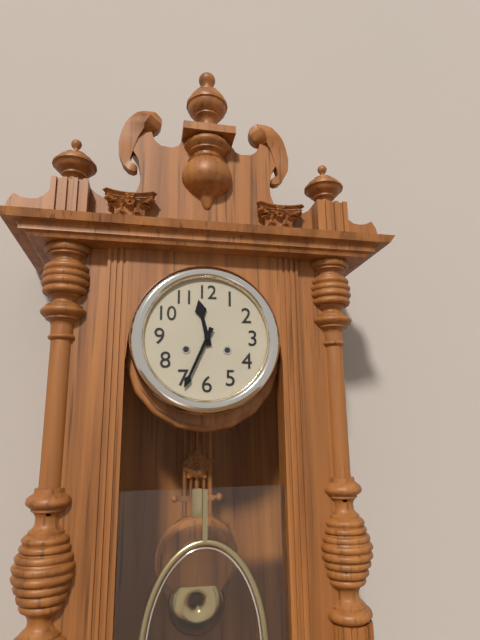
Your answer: 11 h 34 min
